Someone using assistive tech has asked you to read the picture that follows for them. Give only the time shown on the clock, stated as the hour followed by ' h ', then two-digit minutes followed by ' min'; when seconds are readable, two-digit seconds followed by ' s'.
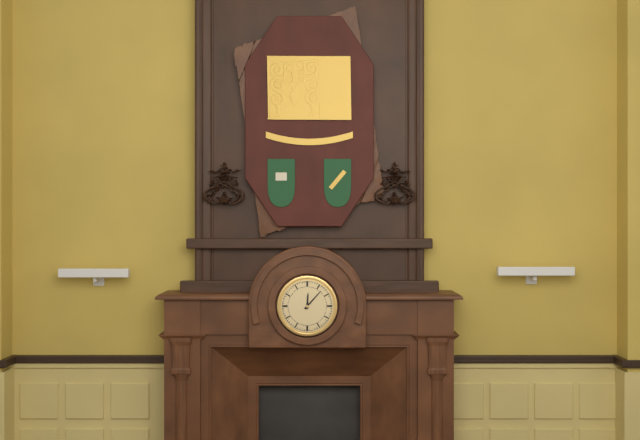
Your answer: 12 h 07 min
